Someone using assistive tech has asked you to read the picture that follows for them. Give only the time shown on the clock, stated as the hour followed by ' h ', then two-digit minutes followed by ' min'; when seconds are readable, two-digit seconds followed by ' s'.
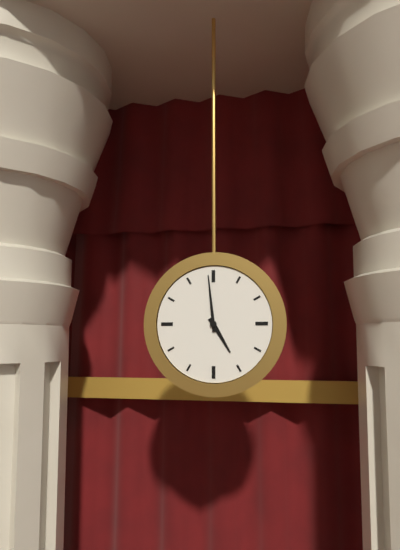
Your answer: 4 h 59 min
